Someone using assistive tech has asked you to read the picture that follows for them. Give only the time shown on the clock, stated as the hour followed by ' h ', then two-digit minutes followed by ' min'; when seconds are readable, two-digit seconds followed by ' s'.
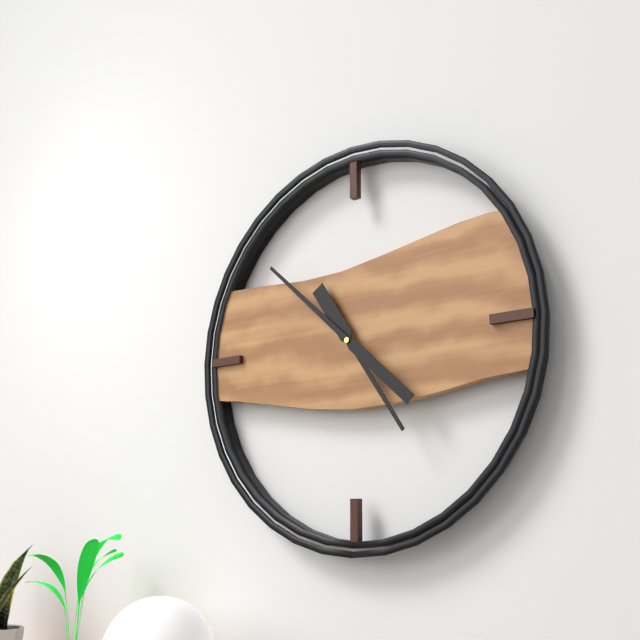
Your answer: 4 h 52 min
